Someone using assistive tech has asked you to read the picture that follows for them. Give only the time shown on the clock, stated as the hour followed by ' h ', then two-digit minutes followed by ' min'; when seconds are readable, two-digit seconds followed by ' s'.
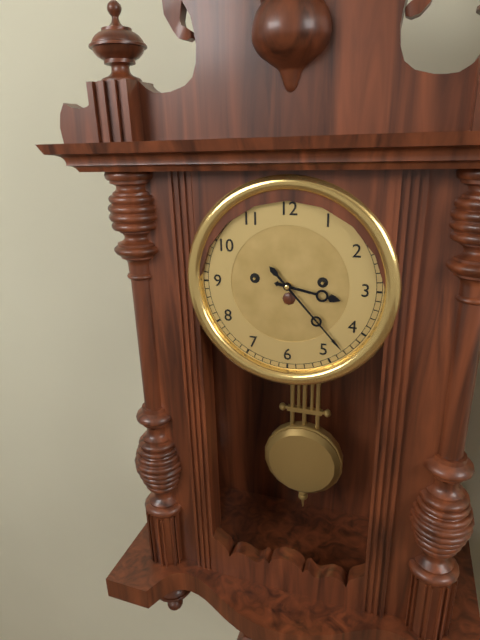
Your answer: 3 h 23 min
